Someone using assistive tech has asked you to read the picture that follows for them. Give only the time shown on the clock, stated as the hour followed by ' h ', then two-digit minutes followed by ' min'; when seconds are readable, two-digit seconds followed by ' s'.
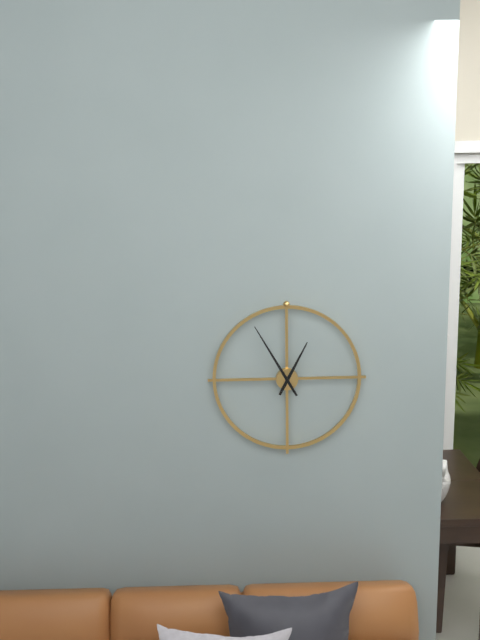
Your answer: 12 h 55 min
